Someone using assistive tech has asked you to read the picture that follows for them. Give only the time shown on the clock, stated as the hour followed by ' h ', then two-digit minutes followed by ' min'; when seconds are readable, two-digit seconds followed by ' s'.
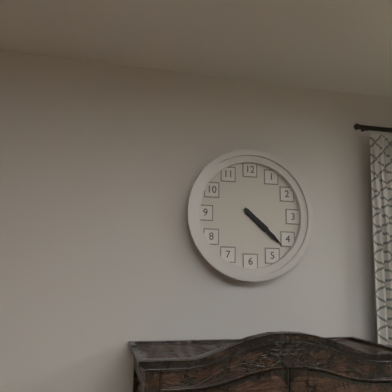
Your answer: 4 h 22 min
